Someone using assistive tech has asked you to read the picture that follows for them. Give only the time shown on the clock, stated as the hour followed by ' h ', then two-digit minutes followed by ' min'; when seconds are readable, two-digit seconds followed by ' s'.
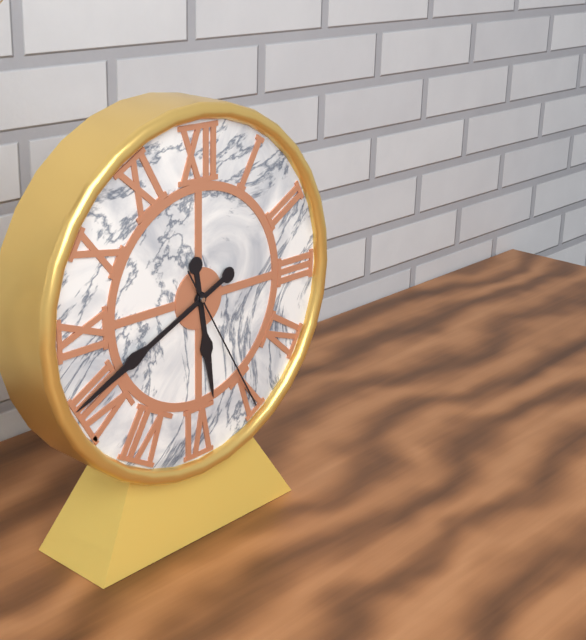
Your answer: 5 h 41 min 25 s
